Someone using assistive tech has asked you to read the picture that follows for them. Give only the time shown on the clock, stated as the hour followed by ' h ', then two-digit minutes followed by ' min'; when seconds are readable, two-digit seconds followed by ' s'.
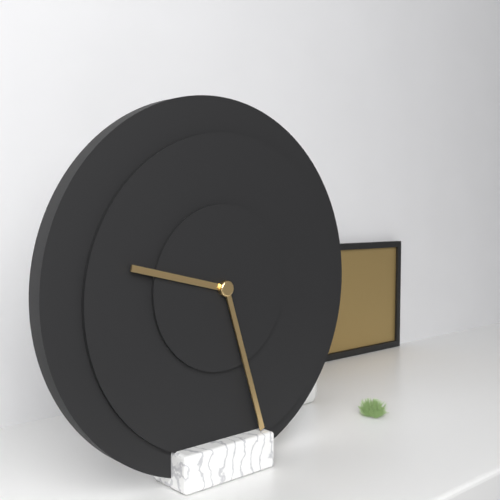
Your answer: 9 h 27 min
